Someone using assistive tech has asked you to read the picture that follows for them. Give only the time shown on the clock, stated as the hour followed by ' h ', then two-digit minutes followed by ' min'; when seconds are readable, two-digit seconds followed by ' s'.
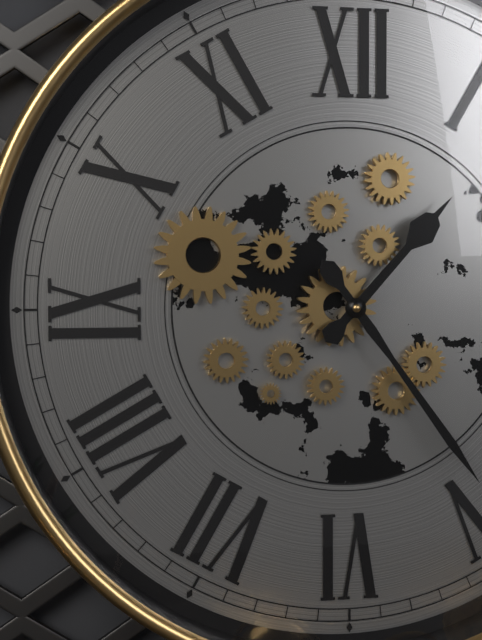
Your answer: 1 h 24 min
